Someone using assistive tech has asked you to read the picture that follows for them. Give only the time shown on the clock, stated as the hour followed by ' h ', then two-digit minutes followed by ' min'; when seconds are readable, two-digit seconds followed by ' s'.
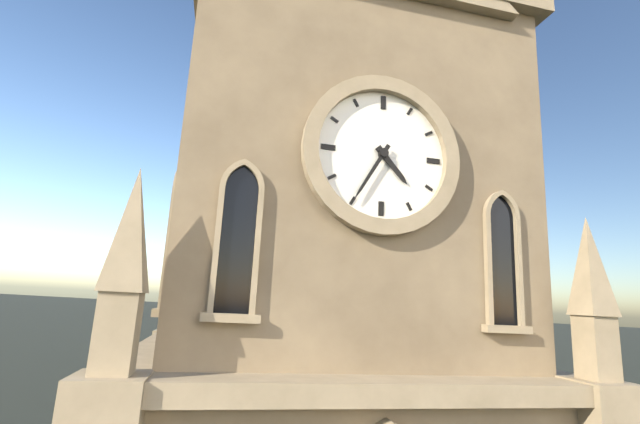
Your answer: 4 h 35 min
